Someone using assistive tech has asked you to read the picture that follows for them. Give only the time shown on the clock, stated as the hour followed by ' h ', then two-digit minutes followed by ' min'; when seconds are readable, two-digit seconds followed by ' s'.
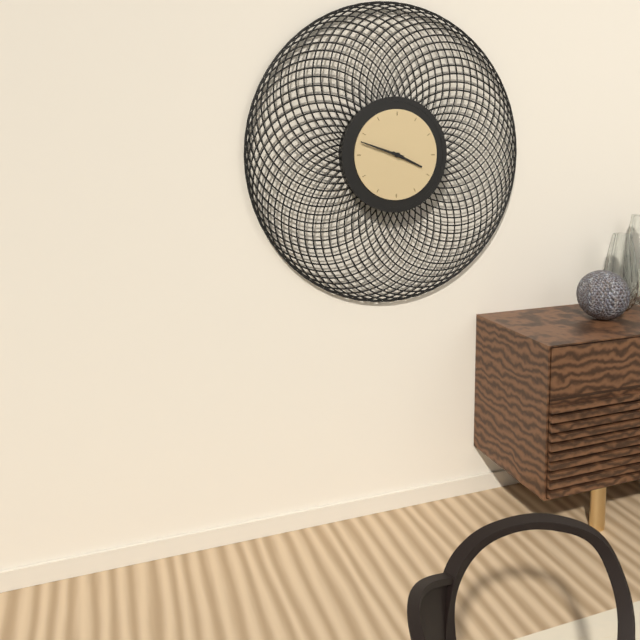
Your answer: 3 h 48 min
